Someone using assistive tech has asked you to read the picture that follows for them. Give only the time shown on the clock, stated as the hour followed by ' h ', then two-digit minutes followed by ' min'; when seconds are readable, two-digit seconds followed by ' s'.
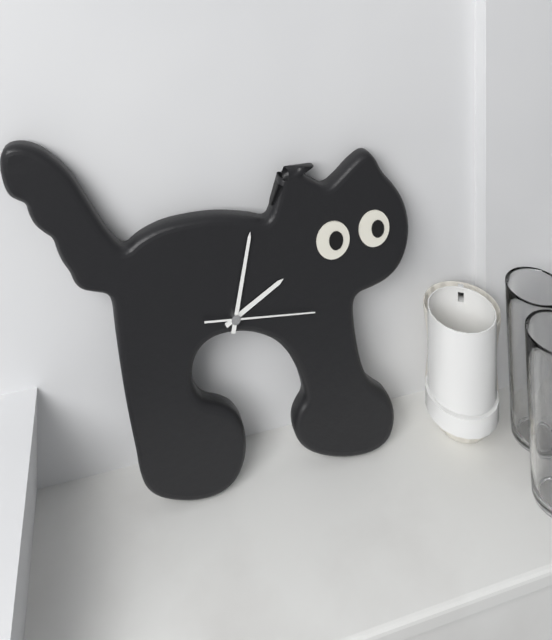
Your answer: 2 h 02 min 16 s
